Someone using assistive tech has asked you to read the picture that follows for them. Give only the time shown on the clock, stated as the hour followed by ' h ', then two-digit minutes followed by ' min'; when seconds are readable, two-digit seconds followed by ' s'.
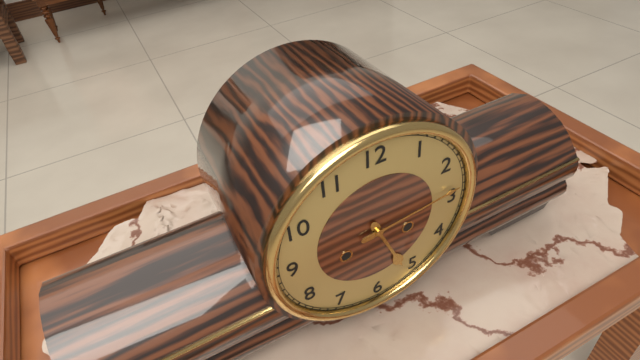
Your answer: 5 h 14 min
